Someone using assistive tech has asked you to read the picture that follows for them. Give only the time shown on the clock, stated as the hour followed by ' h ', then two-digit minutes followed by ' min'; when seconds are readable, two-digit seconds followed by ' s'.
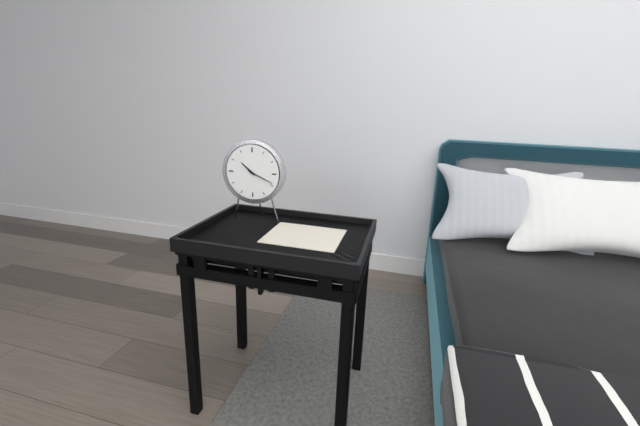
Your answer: 10 h 19 min
